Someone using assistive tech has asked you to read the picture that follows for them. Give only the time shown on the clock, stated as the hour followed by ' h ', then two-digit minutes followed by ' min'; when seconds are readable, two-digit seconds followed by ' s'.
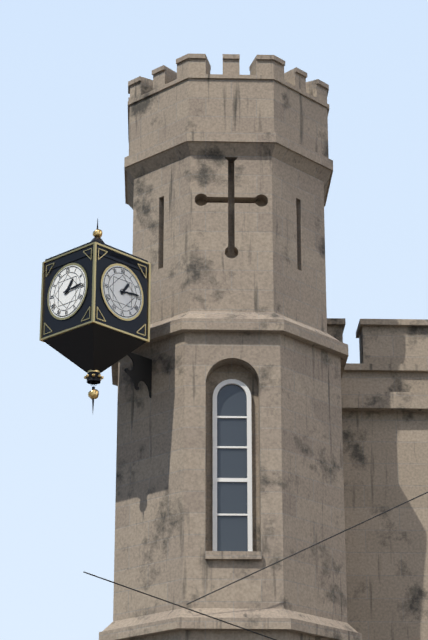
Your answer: 1 h 14 min
